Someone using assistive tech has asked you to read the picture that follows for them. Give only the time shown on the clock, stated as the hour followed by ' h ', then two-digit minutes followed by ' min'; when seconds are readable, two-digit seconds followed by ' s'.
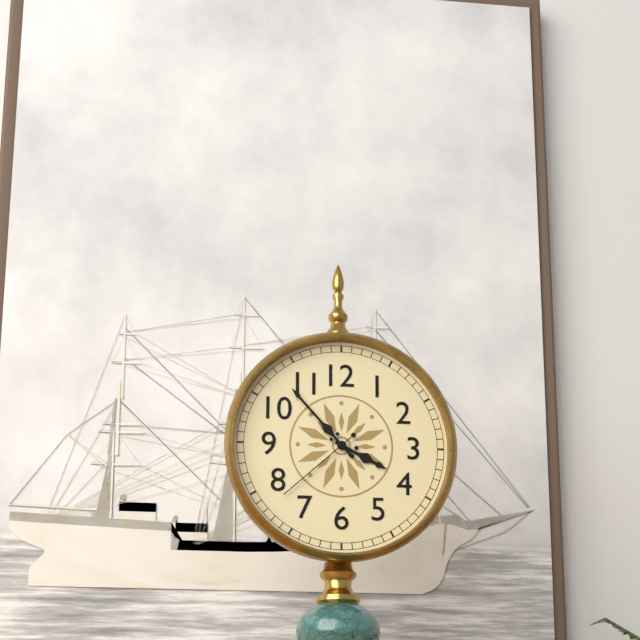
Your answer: 3 h 53 min 38 s
